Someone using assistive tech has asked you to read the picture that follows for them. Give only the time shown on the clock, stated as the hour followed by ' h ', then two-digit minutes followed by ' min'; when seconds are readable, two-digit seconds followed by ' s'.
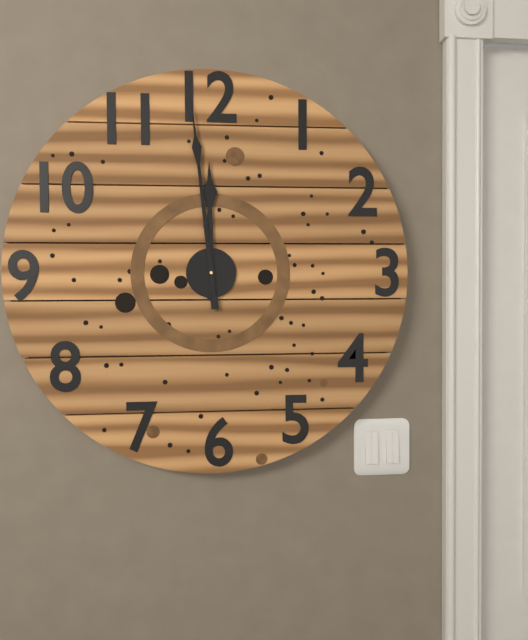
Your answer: 11 h 59 min
